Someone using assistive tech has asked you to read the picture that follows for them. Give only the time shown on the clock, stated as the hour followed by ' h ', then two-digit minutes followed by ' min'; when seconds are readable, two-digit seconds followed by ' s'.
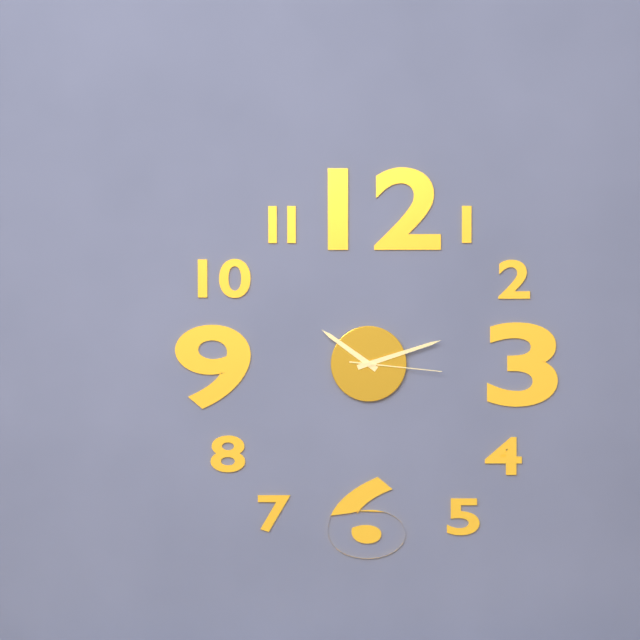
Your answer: 10 h 12 min 16 s
